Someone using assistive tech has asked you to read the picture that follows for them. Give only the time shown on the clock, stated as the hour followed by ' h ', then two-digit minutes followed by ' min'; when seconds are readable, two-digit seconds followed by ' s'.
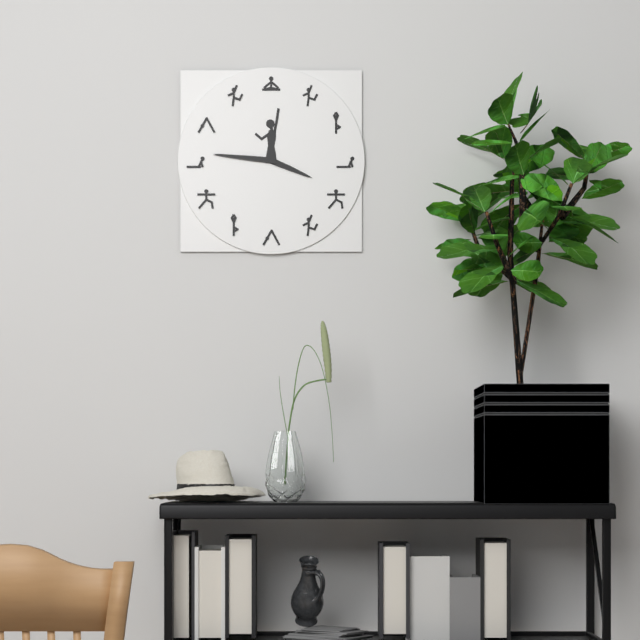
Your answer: 3 h 46 min
